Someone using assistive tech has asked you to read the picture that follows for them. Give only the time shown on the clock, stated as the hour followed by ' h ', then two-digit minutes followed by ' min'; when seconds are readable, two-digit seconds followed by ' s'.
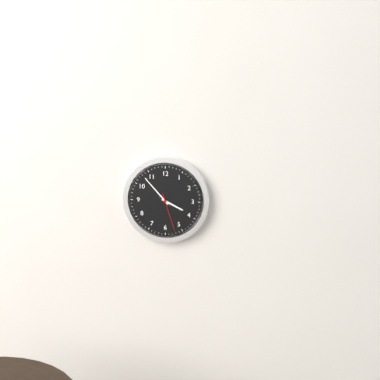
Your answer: 3 h 53 min
